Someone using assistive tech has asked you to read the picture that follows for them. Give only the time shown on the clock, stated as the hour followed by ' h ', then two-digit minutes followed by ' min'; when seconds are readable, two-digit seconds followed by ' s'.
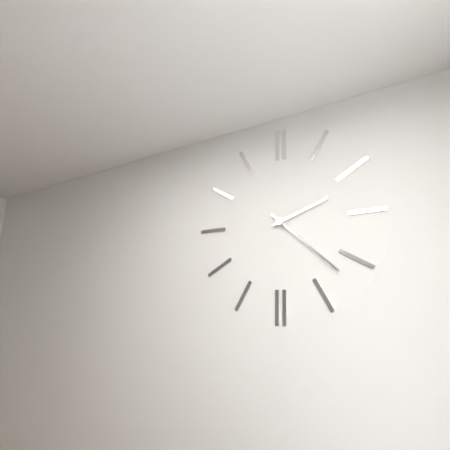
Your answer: 2 h 22 min
